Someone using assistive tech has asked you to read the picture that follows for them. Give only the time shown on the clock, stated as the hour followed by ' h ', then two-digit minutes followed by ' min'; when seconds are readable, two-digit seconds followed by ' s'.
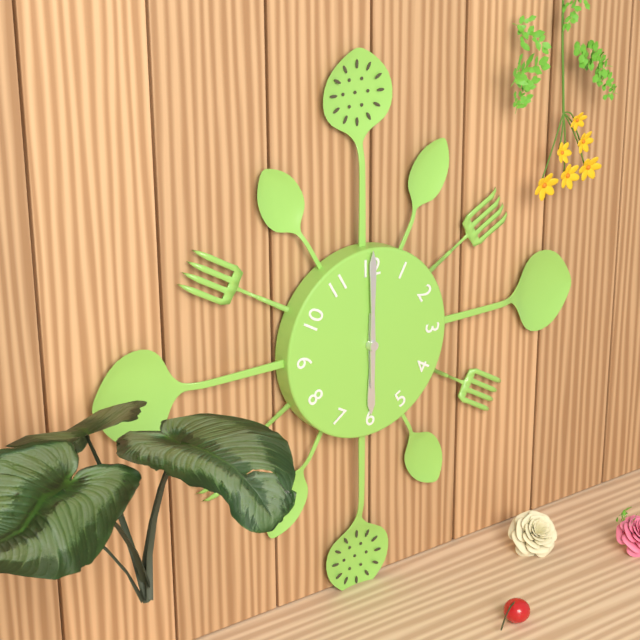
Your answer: 6 h 00 min
